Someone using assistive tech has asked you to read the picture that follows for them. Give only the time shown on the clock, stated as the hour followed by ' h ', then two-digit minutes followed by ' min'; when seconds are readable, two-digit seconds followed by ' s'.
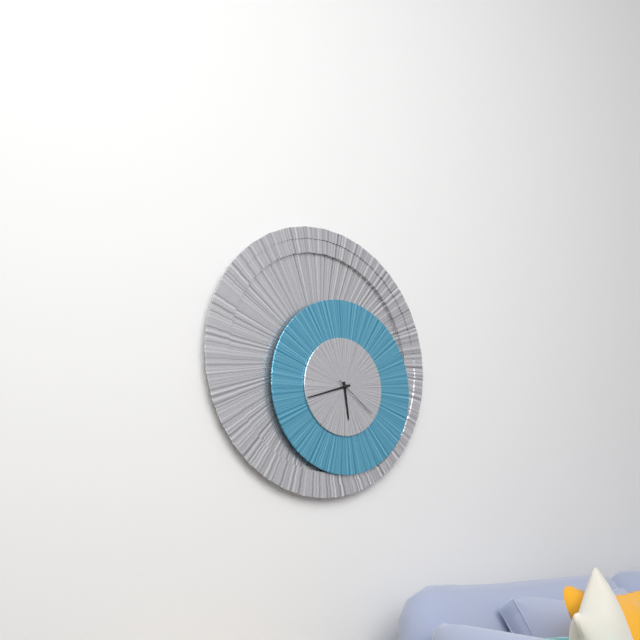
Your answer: 5 h 42 min
